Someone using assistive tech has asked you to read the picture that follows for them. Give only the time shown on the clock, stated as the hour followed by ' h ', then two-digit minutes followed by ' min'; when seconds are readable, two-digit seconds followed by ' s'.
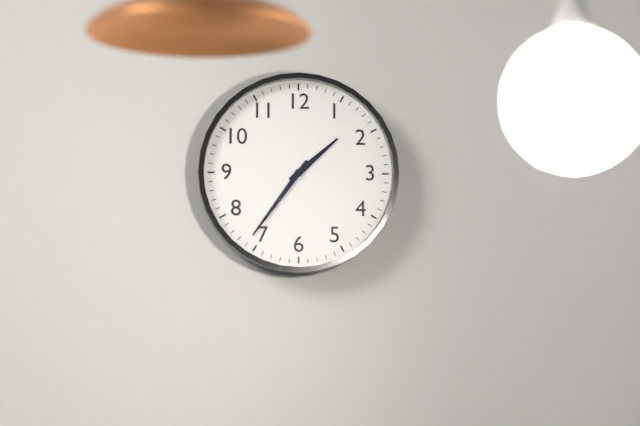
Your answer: 1 h 36 min
